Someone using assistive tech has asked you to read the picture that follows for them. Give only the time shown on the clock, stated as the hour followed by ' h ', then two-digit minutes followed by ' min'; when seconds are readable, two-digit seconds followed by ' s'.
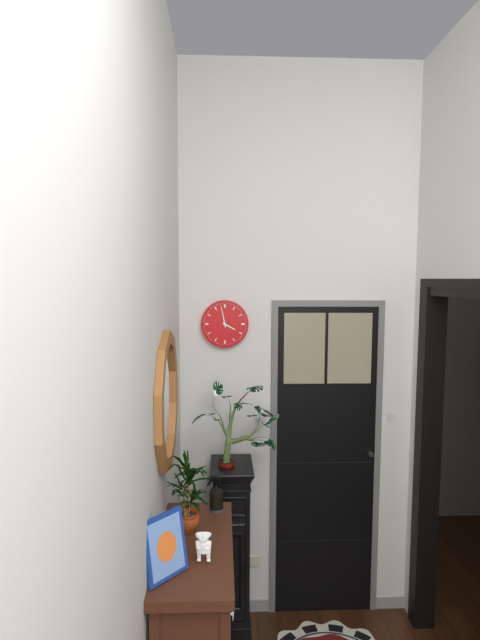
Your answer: 3 h 58 min
